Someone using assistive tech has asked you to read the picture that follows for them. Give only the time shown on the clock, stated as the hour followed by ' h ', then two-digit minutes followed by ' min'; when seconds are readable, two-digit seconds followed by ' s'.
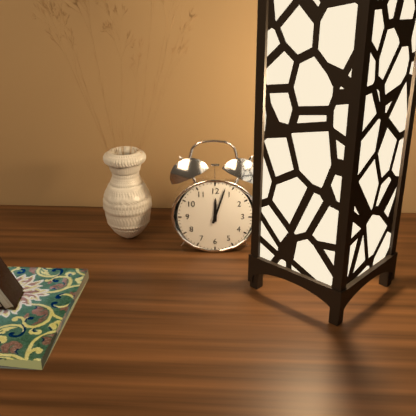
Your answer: 12 h 03 min
